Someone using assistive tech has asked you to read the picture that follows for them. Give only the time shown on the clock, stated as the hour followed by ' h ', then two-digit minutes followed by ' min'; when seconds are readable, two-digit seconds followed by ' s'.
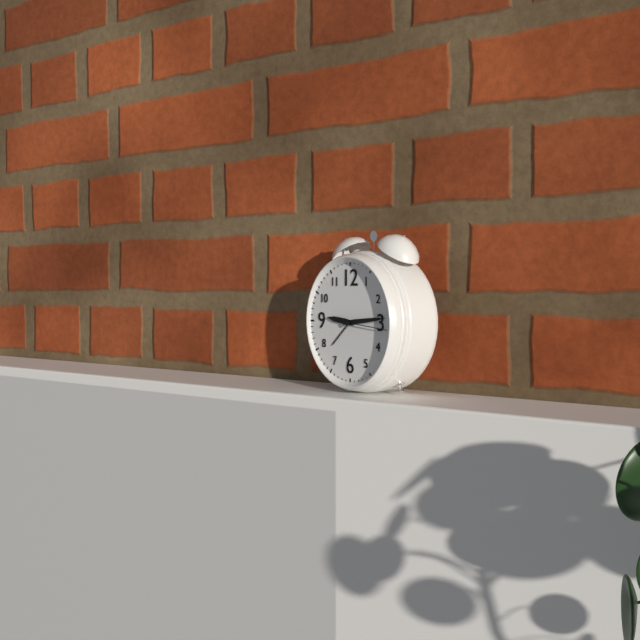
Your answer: 9 h 14 min 16 s
